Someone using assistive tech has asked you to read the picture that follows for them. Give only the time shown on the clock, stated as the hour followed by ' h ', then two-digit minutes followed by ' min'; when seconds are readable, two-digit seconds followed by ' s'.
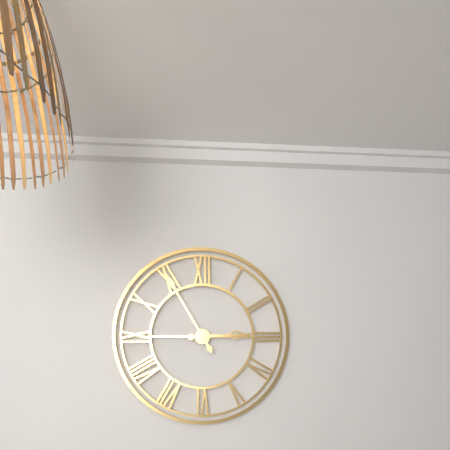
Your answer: 2 h 55 min
